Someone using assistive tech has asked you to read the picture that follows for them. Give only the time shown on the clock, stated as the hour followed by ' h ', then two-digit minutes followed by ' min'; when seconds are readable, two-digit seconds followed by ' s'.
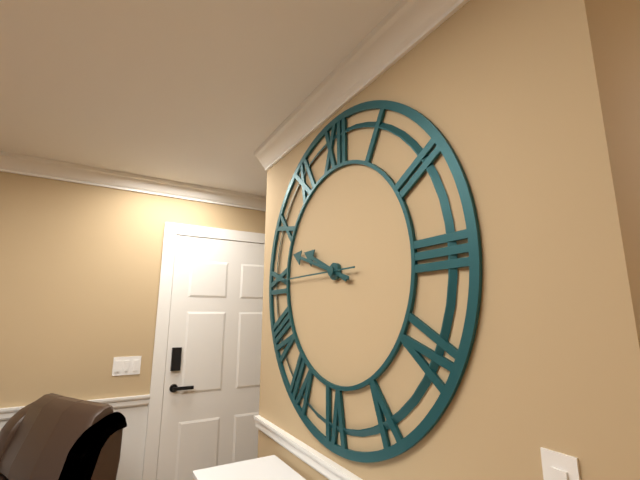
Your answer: 9 h 48 min 45 s
